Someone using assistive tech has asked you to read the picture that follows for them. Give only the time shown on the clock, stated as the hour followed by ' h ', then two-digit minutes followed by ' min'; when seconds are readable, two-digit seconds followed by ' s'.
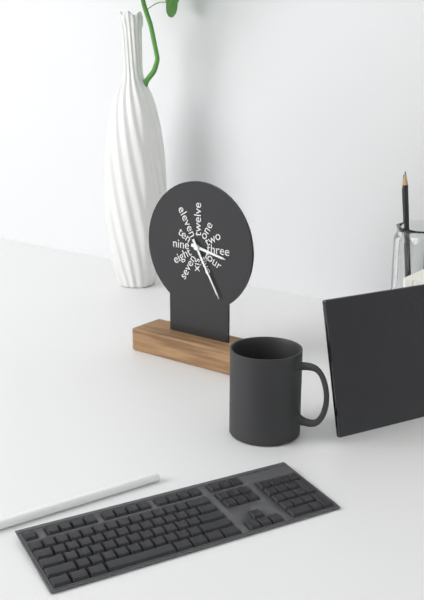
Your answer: 3 h 25 min
